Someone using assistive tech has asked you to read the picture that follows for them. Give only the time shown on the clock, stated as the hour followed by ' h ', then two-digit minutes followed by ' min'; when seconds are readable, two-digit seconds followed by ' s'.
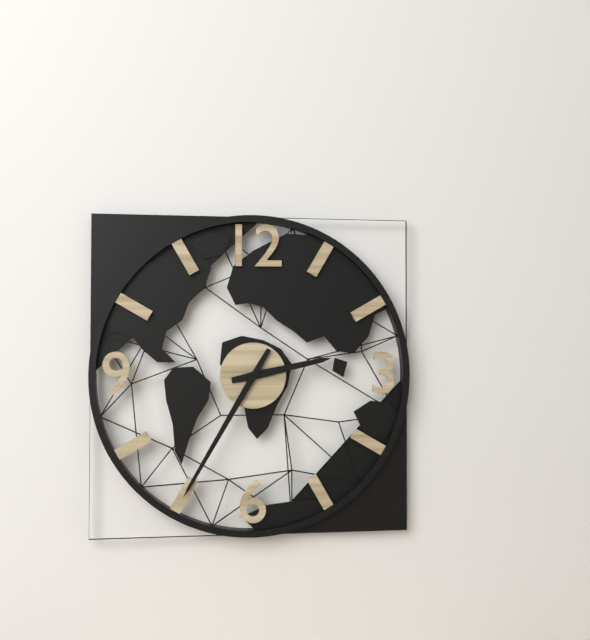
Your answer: 2 h 35 min
